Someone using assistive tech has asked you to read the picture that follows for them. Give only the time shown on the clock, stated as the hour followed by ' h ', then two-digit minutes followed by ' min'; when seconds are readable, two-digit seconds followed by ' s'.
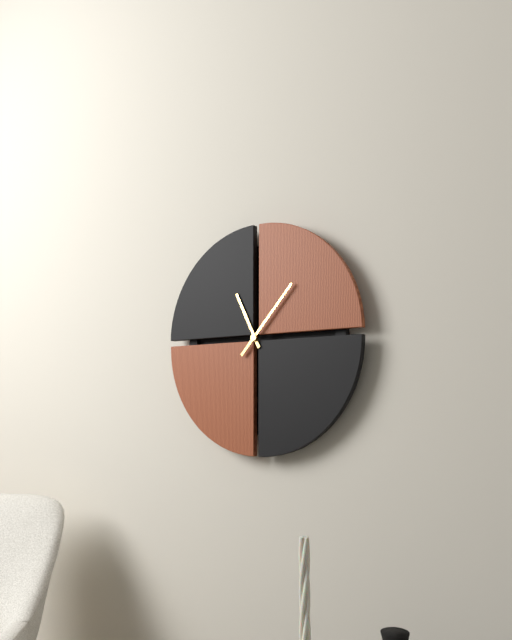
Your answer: 11 h 07 min
